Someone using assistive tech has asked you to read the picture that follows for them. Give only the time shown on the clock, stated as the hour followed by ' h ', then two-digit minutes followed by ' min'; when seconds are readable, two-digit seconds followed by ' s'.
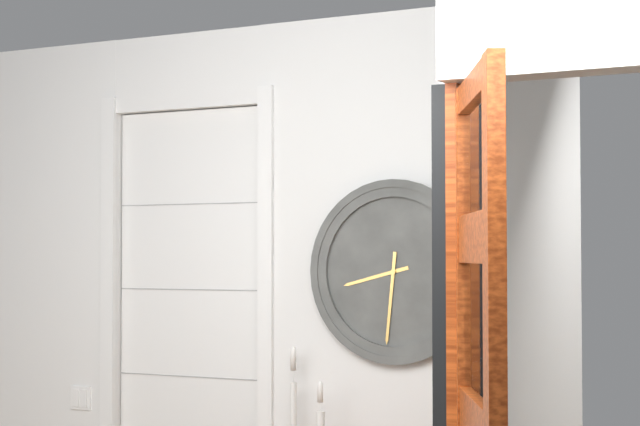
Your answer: 8 h 31 min
